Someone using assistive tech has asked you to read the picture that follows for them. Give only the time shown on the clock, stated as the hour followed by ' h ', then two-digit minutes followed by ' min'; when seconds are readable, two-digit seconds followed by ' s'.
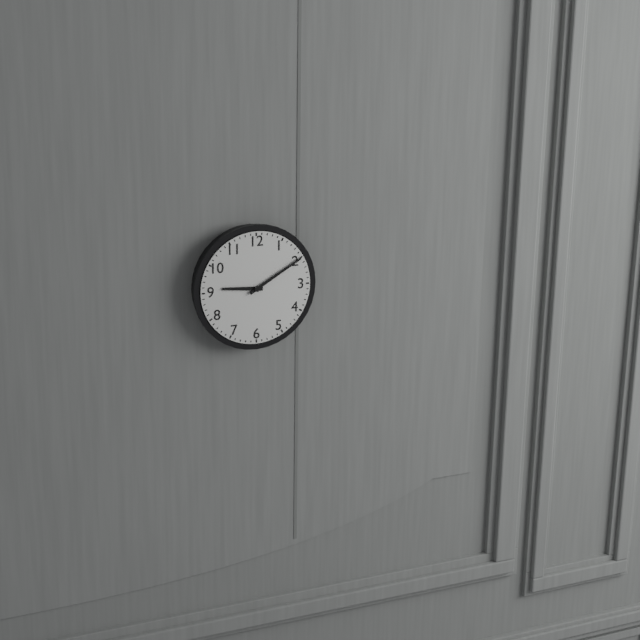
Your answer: 9 h 10 min
